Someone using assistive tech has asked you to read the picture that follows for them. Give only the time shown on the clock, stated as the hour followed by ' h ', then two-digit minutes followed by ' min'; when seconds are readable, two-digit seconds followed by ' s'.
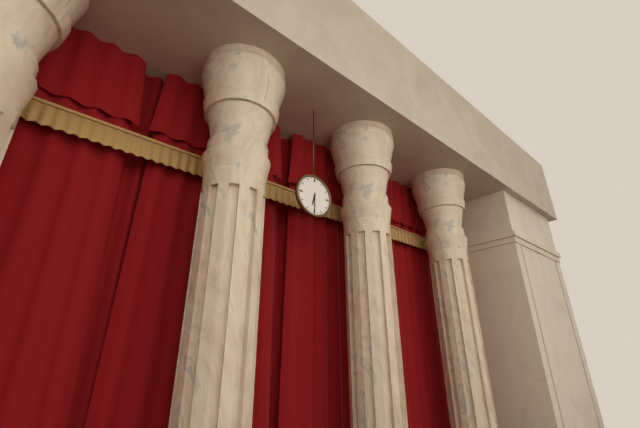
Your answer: 6 h 30 min
